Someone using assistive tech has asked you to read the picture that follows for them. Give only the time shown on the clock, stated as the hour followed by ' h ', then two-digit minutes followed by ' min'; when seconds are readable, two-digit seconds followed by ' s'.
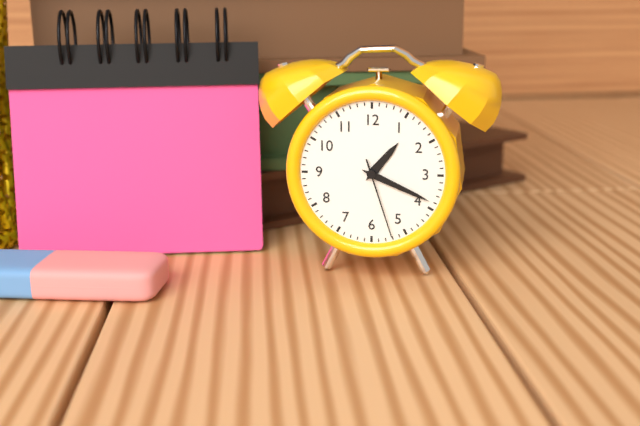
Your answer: 1 h 19 min 27 s
